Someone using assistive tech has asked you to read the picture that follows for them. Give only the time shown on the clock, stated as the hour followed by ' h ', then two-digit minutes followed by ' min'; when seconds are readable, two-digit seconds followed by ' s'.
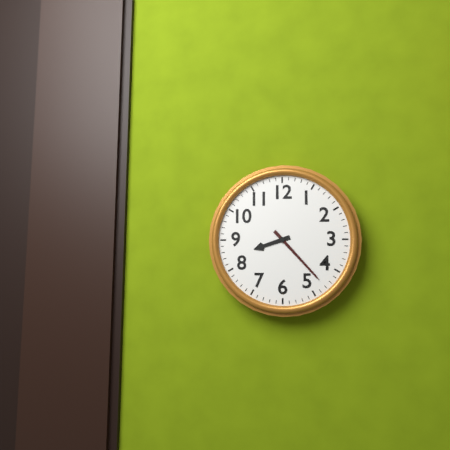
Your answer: 8 h 23 min
